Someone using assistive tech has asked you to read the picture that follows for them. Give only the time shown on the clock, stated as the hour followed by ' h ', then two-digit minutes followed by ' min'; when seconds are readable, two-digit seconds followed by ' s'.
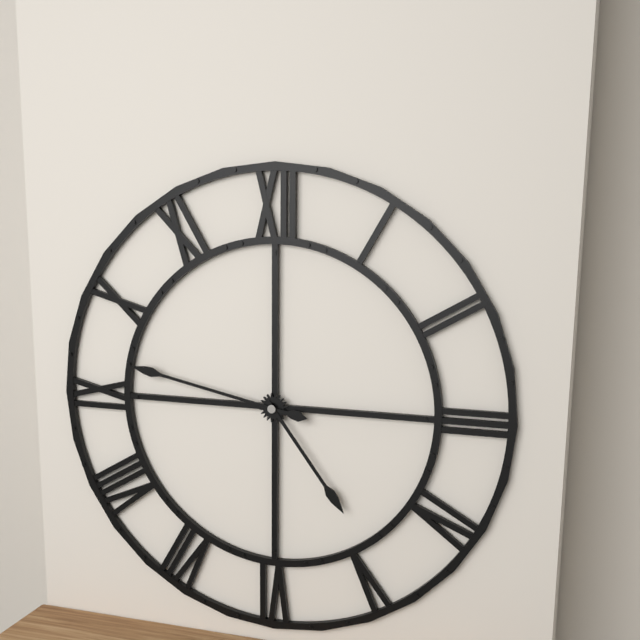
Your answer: 4 h 47 min
